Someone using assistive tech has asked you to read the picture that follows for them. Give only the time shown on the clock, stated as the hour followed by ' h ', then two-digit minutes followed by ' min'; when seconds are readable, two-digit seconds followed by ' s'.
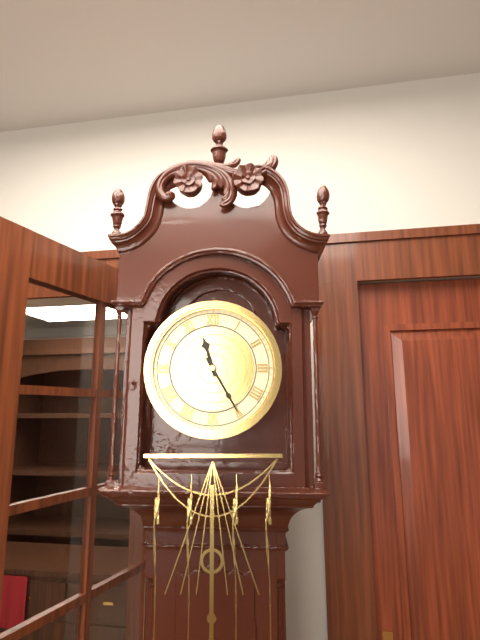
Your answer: 11 h 25 min
